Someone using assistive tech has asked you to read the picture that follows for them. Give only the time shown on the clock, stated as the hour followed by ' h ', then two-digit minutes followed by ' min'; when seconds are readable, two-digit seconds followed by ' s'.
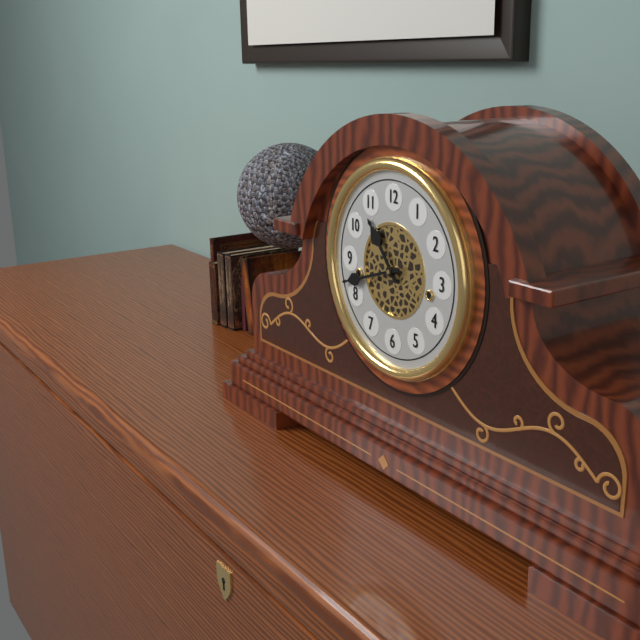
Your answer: 10 h 42 min
